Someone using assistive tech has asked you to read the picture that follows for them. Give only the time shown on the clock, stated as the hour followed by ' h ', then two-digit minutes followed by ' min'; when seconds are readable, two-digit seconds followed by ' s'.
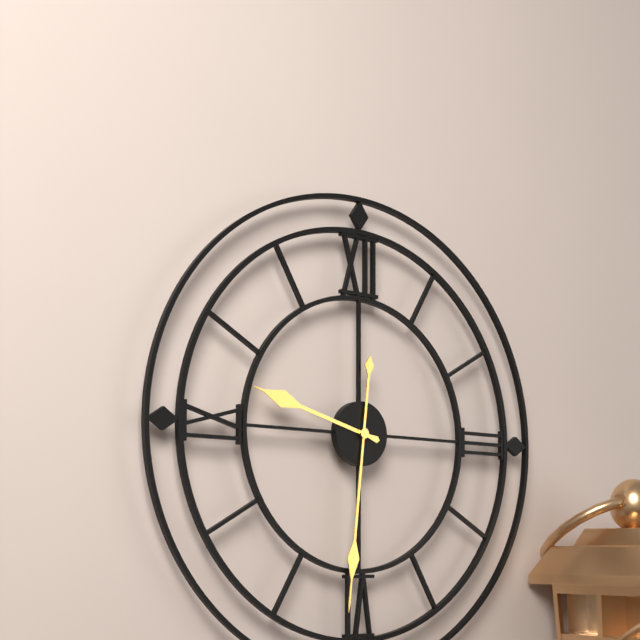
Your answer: 9 h 31 min
